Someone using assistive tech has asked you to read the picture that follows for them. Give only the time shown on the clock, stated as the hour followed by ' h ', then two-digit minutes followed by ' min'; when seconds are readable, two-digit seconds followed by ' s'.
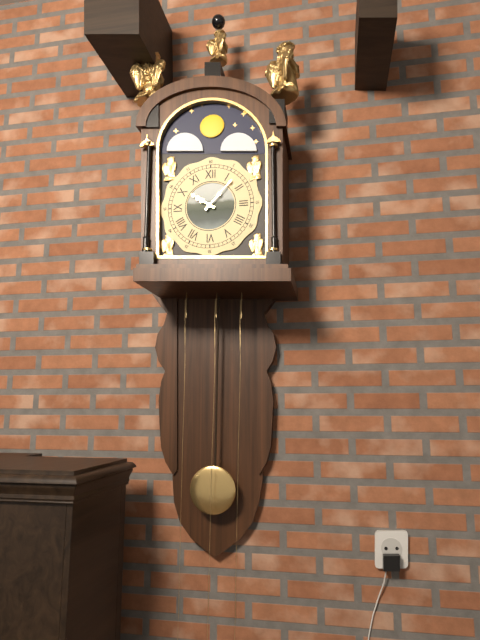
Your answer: 10 h 07 min
